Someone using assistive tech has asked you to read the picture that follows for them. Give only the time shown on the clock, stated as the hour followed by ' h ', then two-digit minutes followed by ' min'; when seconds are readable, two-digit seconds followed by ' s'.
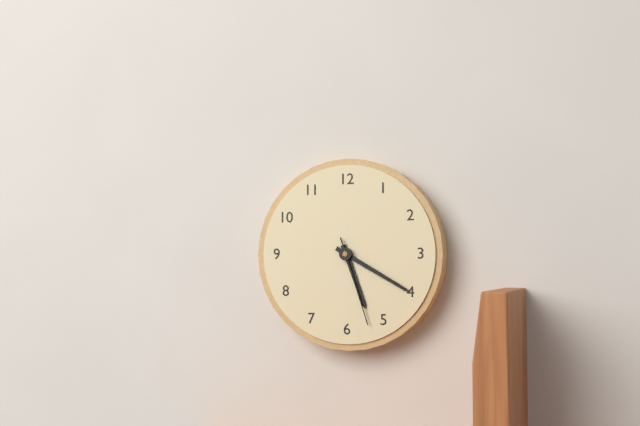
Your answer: 5 h 20 min 27 s
